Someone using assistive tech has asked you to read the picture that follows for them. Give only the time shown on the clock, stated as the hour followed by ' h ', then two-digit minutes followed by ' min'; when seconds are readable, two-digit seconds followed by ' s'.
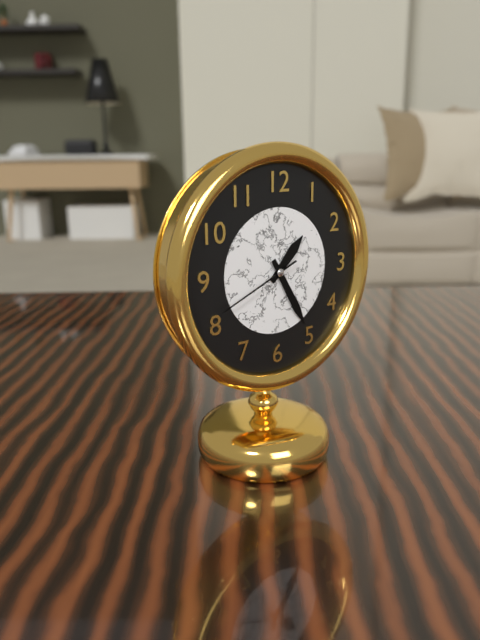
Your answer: 1 h 25 min 41 s
